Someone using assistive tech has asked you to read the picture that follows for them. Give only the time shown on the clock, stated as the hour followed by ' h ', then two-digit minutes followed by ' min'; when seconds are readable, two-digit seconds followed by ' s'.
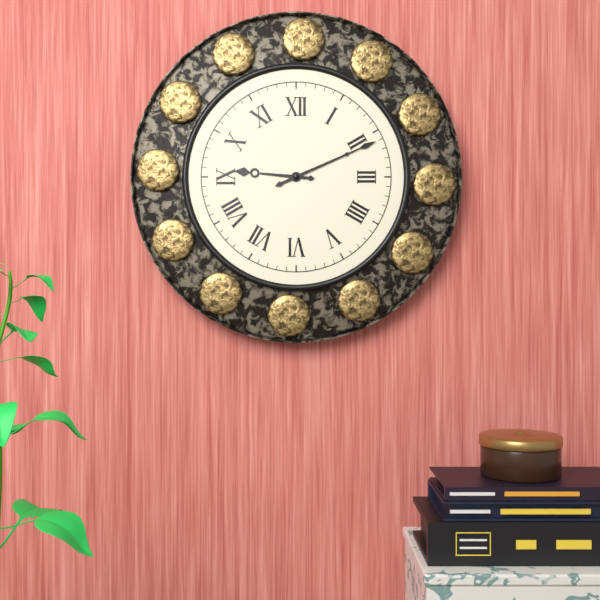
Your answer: 9 h 11 min
